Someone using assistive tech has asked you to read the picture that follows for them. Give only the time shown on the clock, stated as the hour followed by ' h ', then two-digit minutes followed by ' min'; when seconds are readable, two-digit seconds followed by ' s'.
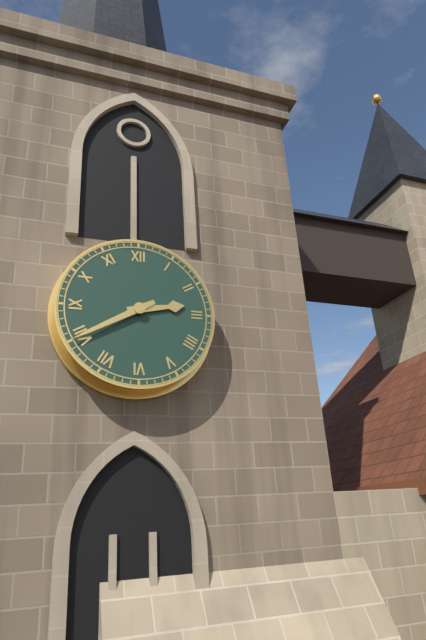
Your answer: 2 h 40 min
